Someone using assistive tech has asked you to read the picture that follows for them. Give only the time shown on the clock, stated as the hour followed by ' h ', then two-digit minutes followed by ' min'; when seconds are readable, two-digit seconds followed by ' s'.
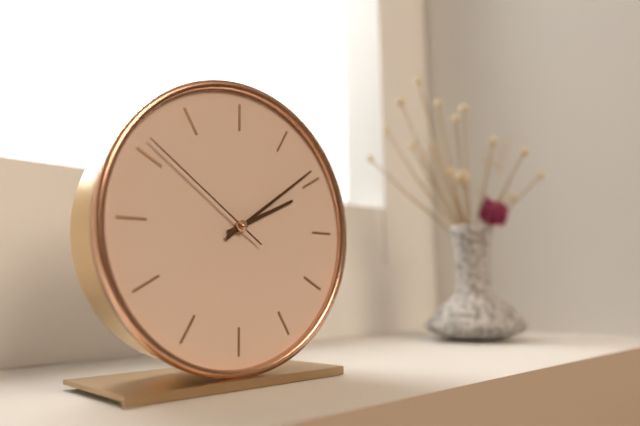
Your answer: 2 h 09 min 51 s
